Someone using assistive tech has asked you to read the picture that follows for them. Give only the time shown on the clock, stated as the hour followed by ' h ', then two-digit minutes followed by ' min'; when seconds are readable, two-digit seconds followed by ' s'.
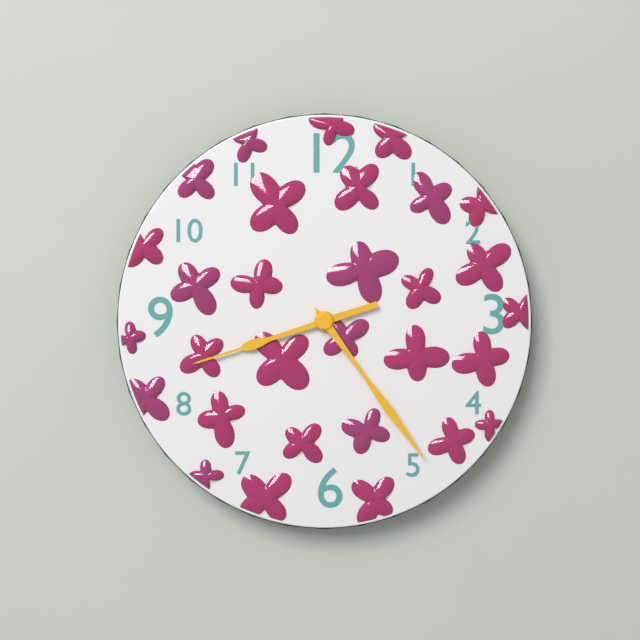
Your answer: 8 h 24 min
